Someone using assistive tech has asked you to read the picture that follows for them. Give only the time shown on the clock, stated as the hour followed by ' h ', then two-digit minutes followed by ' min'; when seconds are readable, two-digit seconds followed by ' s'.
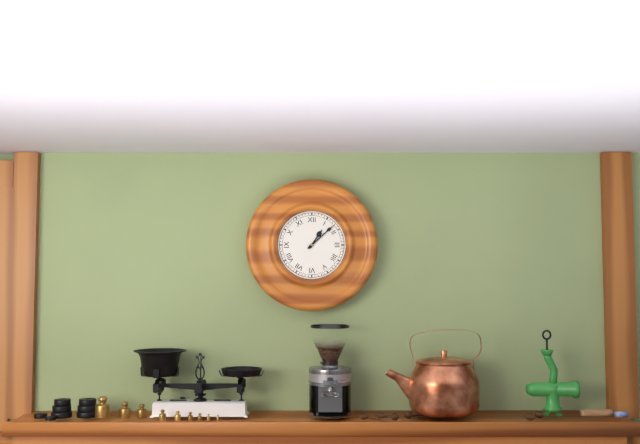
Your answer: 1 h 08 min
